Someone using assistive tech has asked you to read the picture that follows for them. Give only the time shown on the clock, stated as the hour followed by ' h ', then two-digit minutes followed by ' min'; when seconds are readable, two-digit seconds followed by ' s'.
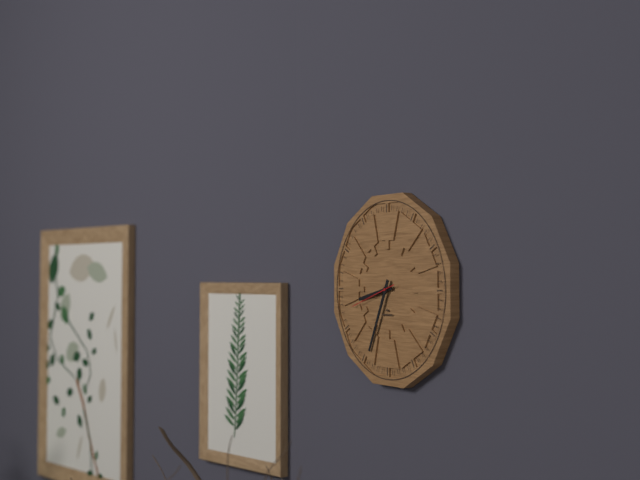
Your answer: 8 h 34 min
